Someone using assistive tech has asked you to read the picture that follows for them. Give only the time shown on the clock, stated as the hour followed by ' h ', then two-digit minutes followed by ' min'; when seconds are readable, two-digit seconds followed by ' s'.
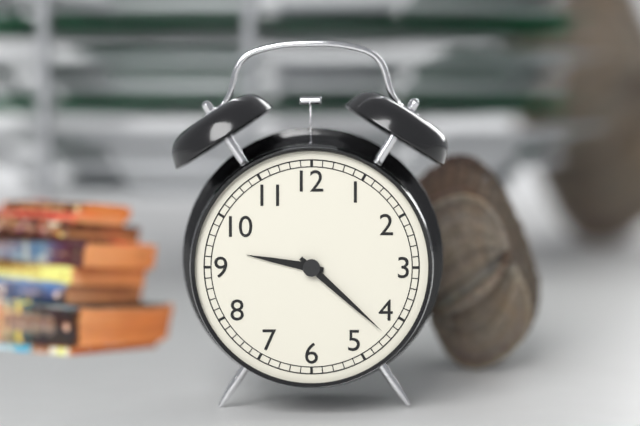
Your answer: 9 h 22 min
